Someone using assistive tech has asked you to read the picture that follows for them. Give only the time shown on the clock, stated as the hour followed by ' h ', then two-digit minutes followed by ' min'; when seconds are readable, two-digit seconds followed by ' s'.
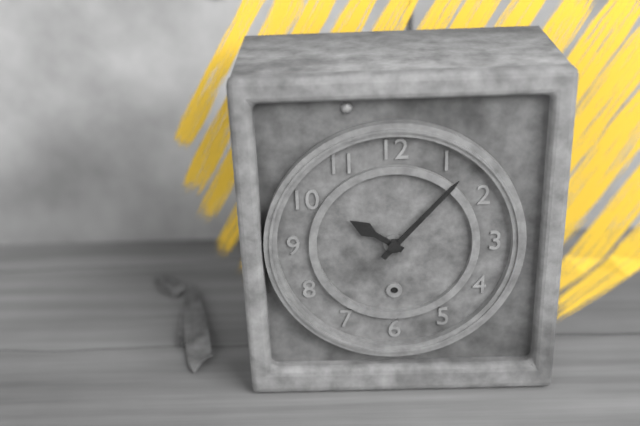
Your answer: 10 h 07 min
